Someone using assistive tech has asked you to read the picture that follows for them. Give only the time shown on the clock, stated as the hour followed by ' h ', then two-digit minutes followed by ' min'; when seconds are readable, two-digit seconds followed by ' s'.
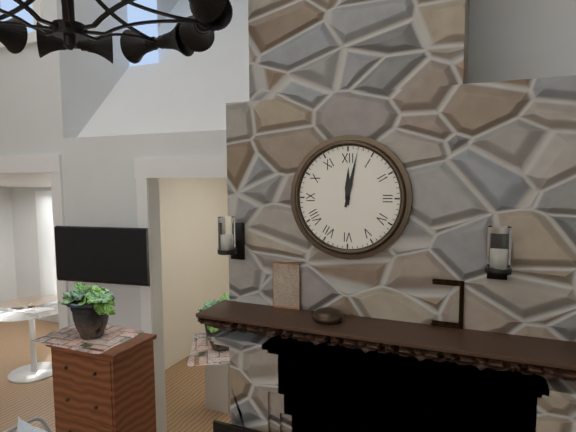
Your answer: 12 h 02 min
